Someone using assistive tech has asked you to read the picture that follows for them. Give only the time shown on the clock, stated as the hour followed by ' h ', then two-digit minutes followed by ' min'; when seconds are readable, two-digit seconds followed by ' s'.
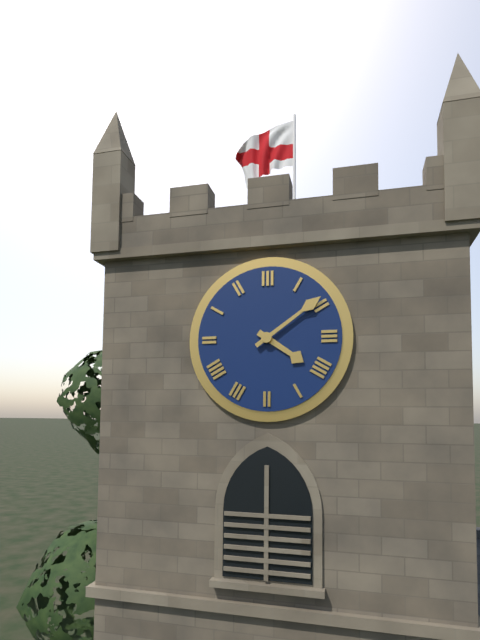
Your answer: 4 h 09 min
